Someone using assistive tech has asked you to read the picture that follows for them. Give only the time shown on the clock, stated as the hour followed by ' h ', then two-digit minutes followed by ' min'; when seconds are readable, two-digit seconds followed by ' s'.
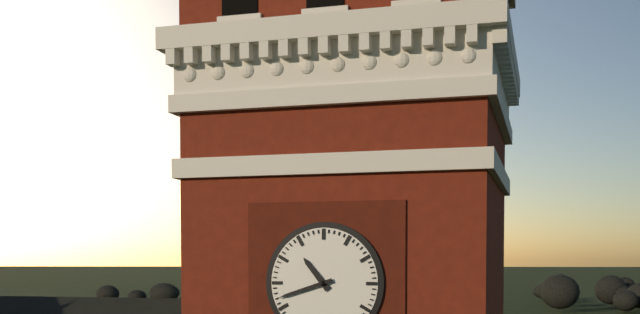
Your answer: 10 h 42 min
